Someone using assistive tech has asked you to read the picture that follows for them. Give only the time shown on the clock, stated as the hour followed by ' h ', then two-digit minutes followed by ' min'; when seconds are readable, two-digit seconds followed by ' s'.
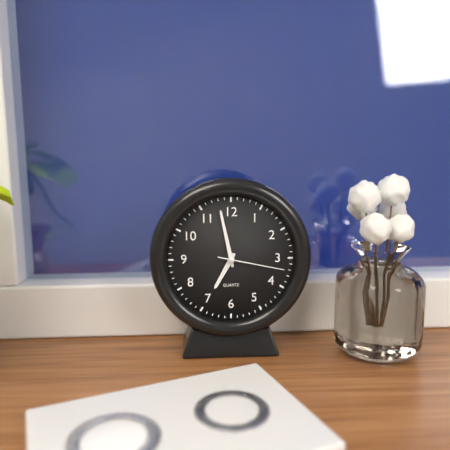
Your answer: 6 h 58 min 17 s
